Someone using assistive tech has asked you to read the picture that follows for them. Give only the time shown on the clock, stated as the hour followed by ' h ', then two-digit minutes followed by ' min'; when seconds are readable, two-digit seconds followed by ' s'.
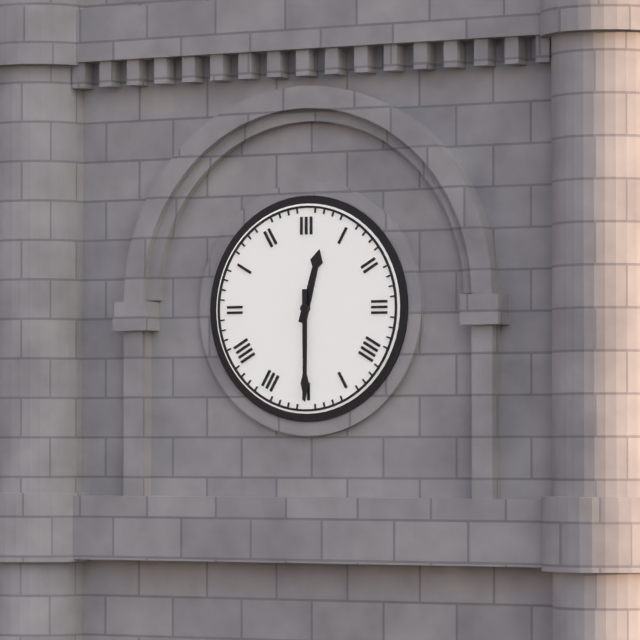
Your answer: 12 h 30 min
